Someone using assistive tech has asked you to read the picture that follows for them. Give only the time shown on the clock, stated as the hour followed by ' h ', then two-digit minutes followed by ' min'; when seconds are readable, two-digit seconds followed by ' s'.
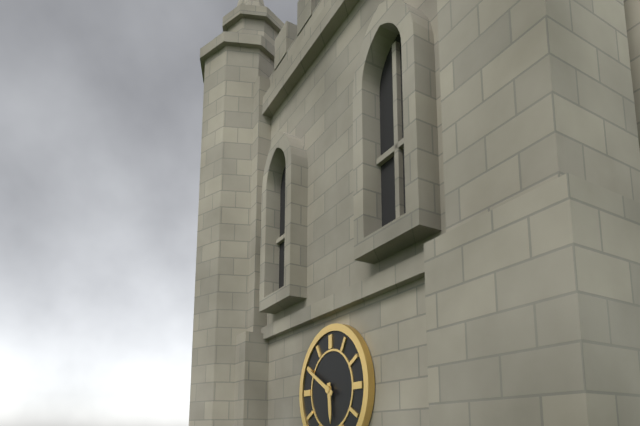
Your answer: 5 h 50 min
